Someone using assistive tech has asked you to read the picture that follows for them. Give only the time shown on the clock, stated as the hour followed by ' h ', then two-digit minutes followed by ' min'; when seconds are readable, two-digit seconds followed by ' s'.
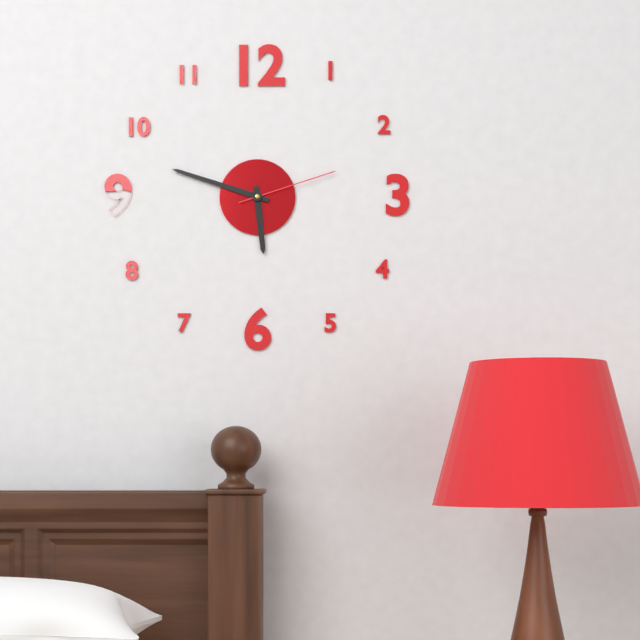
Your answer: 5 h 48 min 12 s
